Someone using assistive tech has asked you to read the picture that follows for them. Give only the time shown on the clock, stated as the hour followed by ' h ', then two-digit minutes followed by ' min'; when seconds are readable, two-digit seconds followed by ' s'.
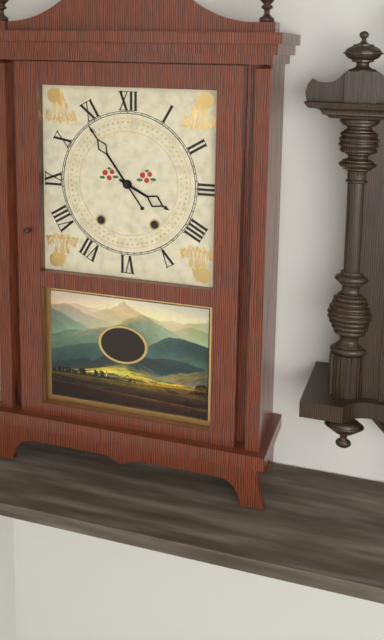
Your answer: 3 h 54 min
